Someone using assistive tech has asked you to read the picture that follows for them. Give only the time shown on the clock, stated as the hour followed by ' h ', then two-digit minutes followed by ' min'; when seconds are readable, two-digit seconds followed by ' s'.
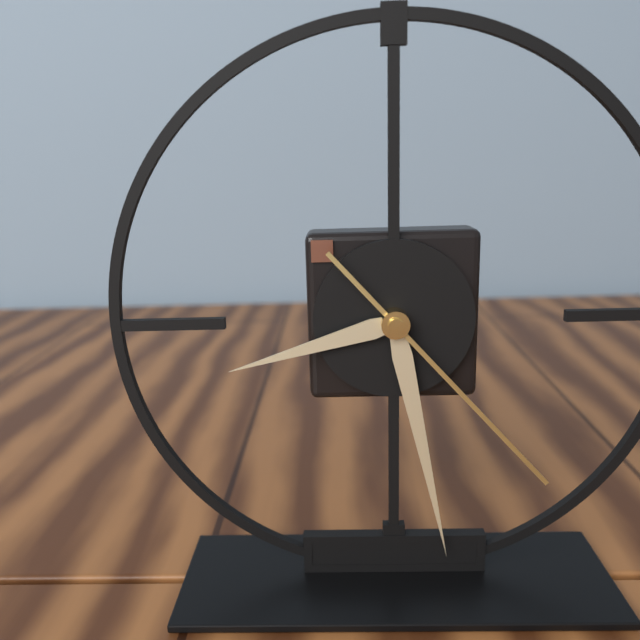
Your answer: 8 h 28 min 23 s
